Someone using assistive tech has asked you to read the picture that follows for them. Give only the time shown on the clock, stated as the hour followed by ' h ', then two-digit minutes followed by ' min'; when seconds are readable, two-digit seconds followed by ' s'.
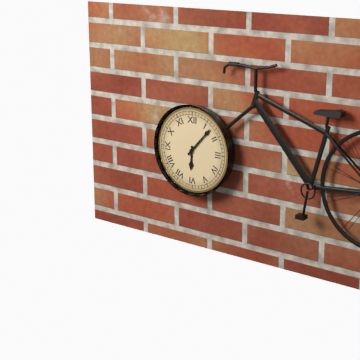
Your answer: 6 h 07 min
